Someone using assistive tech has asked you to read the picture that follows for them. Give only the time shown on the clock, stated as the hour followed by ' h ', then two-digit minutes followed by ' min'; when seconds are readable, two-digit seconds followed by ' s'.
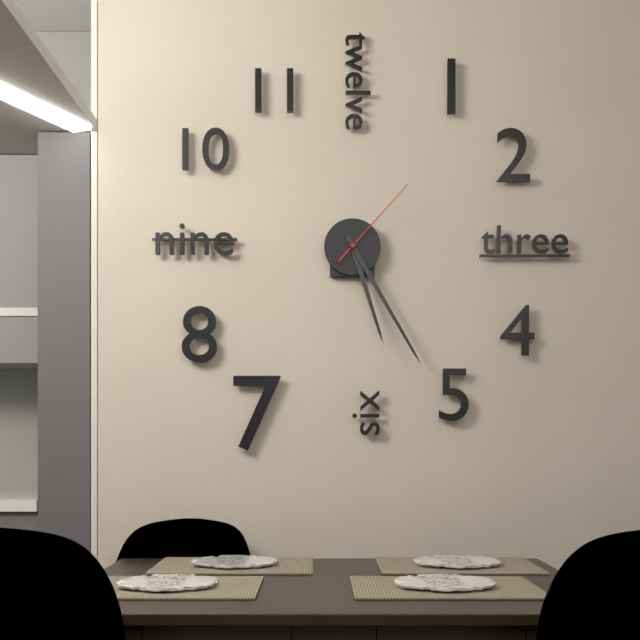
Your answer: 5 h 25 min 07 s
